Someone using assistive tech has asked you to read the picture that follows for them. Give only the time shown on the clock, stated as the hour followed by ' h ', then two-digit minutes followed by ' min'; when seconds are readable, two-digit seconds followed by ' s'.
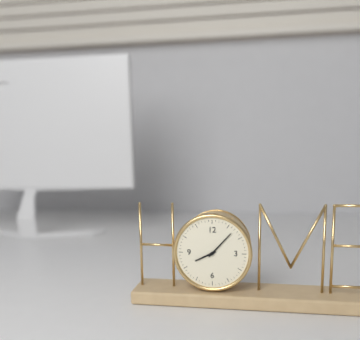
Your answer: 8 h 07 min
